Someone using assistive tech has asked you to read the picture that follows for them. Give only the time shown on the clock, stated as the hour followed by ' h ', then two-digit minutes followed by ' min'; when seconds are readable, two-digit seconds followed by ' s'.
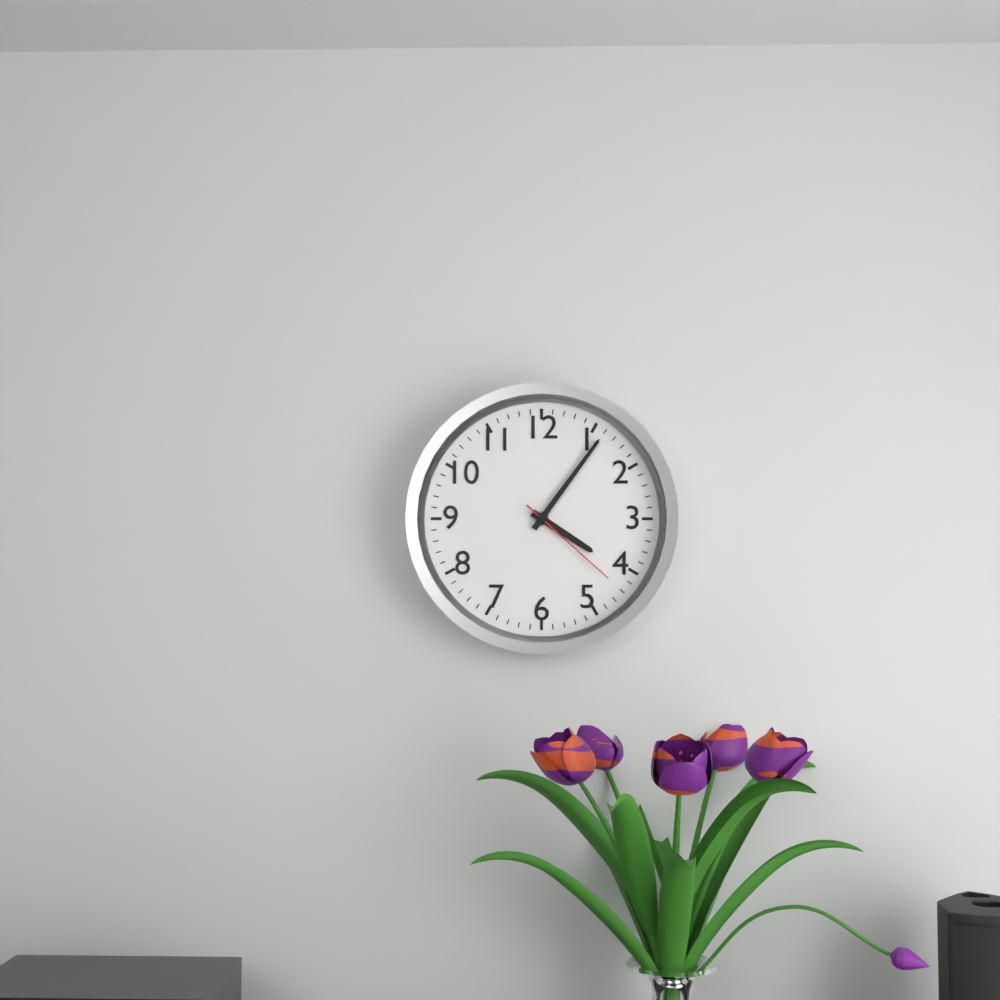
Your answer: 4 h 06 min 22 s
